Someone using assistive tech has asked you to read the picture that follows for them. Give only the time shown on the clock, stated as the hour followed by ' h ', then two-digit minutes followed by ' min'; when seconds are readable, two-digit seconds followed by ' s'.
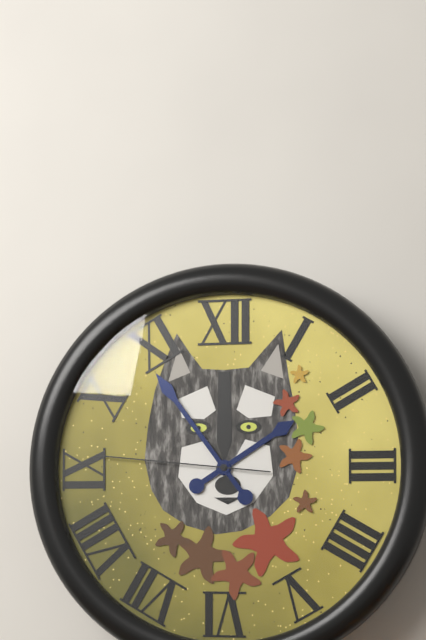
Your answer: 1 h 54 min 46 s
